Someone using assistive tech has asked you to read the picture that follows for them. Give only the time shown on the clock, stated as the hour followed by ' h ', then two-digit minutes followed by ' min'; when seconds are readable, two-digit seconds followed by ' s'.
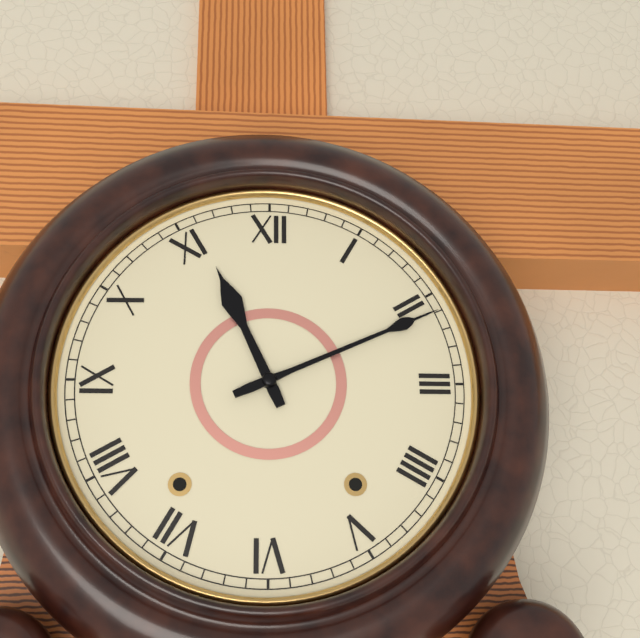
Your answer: 11 h 11 min
